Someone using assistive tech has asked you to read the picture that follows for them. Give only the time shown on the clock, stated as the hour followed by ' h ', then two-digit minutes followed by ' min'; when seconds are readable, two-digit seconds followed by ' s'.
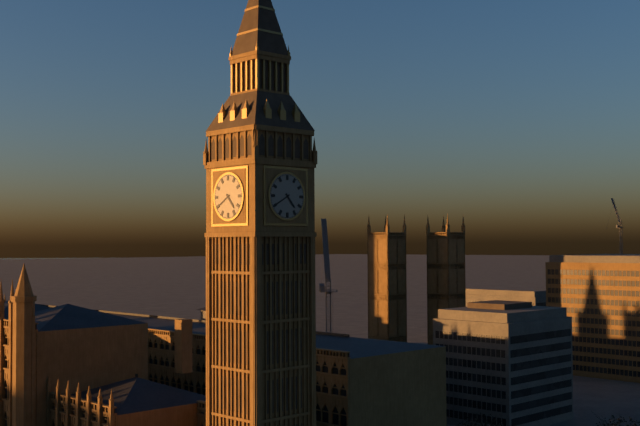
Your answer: 4 h 40 min
